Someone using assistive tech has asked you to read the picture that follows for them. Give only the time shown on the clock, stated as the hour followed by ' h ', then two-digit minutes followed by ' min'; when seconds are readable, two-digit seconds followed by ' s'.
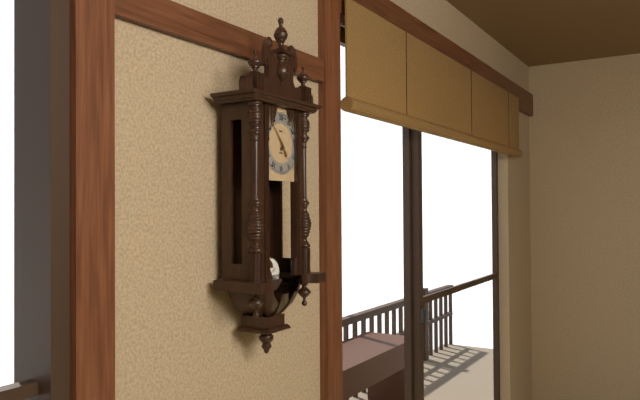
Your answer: 4 h 53 min
